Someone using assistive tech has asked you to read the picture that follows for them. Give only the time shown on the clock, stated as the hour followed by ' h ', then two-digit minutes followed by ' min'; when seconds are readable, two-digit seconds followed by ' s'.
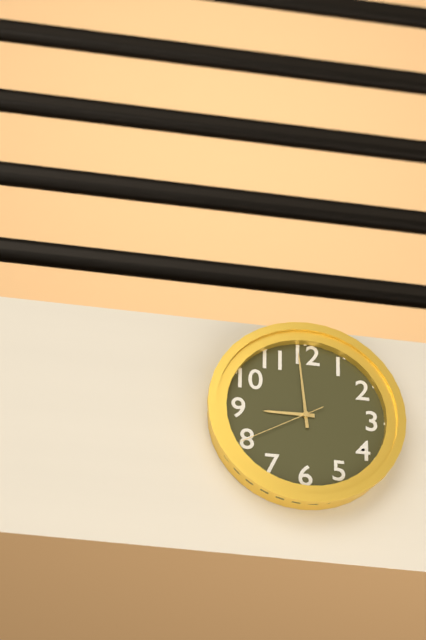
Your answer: 8 h 59 min 40 s
